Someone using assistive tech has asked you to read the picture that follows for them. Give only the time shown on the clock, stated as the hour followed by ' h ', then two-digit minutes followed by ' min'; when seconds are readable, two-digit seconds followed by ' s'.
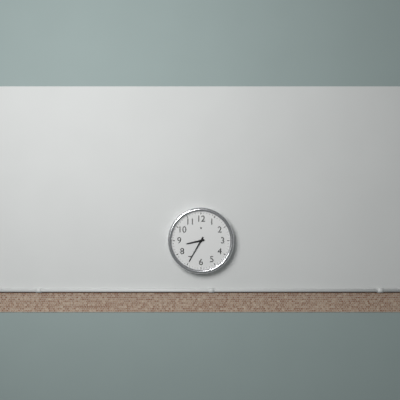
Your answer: 8 h 35 min
